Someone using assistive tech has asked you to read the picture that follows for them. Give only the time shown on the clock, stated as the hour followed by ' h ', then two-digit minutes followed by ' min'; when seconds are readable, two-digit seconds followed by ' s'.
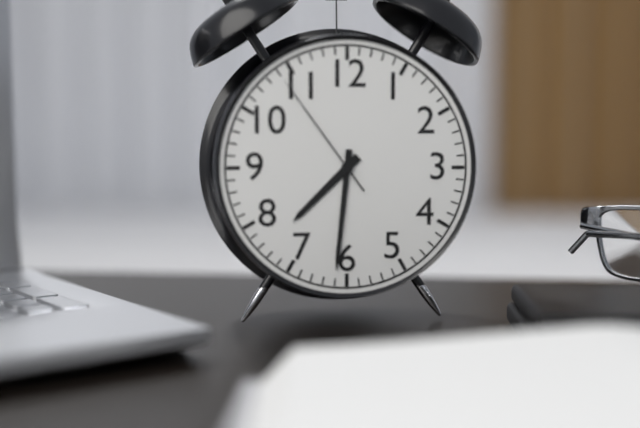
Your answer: 7 h 31 min 54 s
